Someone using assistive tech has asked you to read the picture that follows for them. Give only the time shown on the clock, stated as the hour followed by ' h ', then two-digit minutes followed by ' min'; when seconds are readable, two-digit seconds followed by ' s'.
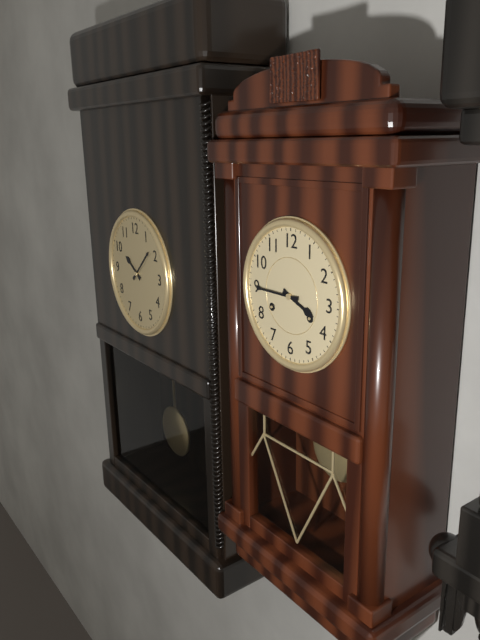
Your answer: 3 h 45 min
